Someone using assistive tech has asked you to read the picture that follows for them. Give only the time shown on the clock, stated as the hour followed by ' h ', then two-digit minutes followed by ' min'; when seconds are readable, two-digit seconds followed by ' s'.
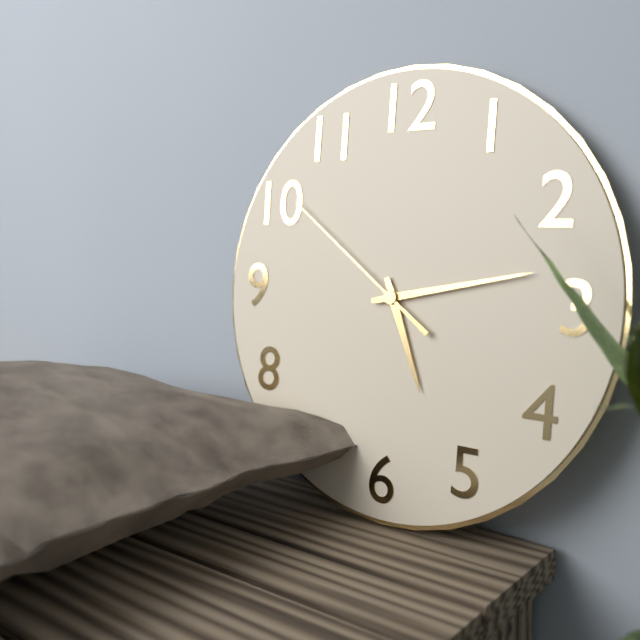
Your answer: 5 h 13 min 51 s
